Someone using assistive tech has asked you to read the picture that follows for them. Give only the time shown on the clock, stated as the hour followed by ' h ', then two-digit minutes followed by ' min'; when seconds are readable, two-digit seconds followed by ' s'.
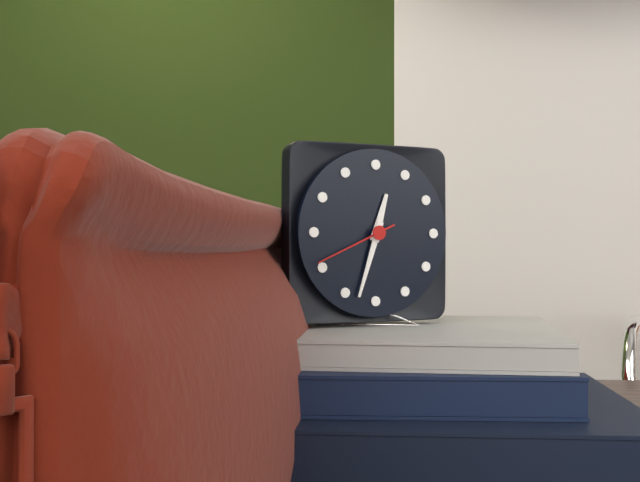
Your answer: 12 h 33 min 41 s
